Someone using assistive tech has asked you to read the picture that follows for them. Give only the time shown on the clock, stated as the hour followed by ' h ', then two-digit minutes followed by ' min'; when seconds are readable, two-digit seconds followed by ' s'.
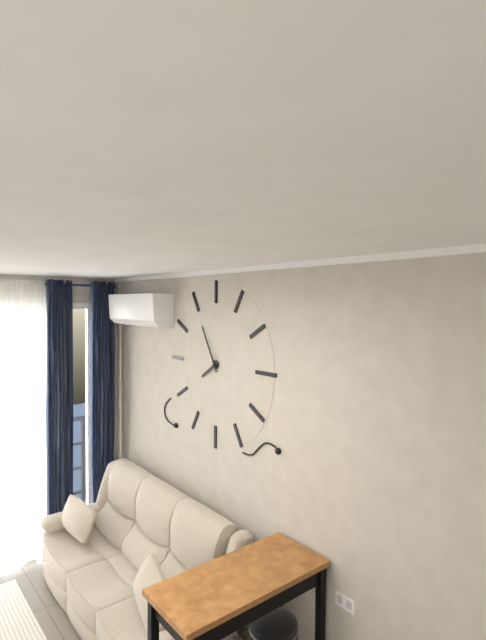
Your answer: 7 h 55 min
